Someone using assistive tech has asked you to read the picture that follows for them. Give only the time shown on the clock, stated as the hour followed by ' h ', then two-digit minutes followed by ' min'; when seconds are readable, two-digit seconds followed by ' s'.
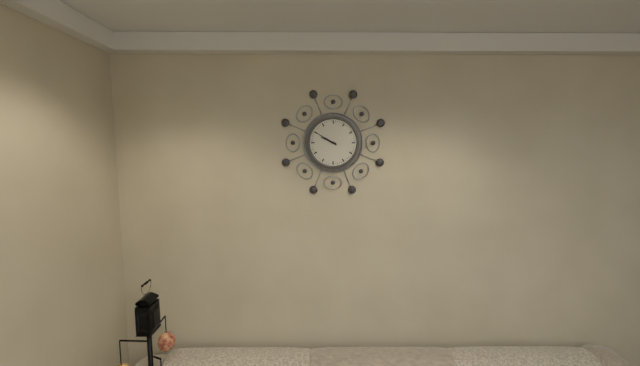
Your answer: 9 h 50 min
